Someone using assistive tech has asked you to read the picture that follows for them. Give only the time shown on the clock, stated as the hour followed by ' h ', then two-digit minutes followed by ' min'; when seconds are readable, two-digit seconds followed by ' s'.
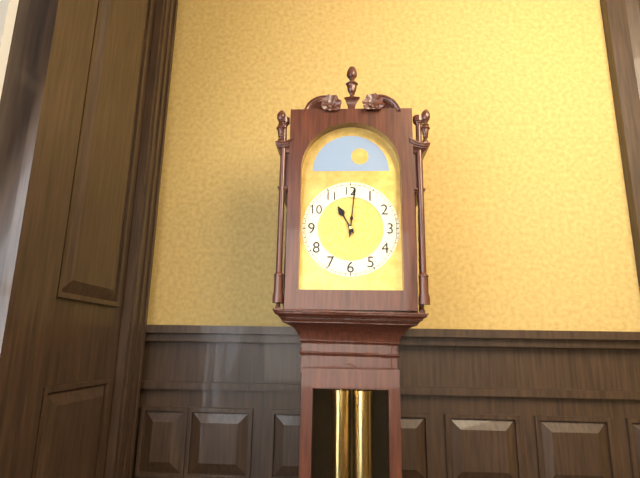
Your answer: 11 h 01 min
